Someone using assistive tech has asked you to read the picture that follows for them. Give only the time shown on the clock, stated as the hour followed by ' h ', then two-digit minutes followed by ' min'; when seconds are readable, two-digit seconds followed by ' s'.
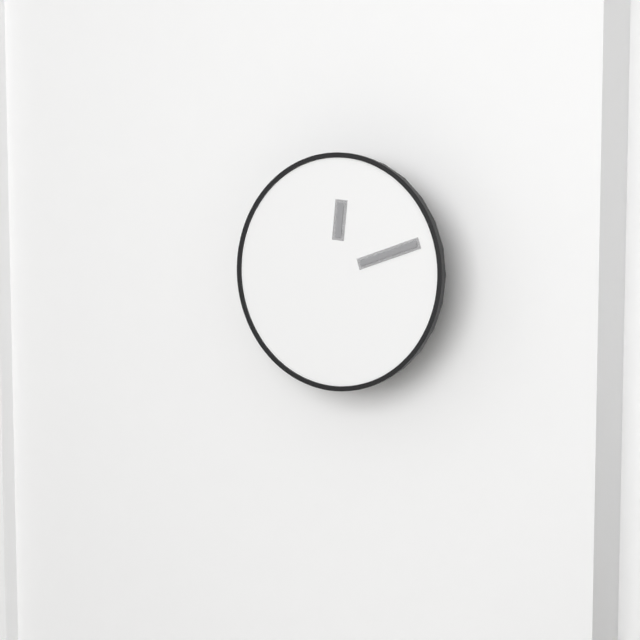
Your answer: 12 h 12 min
